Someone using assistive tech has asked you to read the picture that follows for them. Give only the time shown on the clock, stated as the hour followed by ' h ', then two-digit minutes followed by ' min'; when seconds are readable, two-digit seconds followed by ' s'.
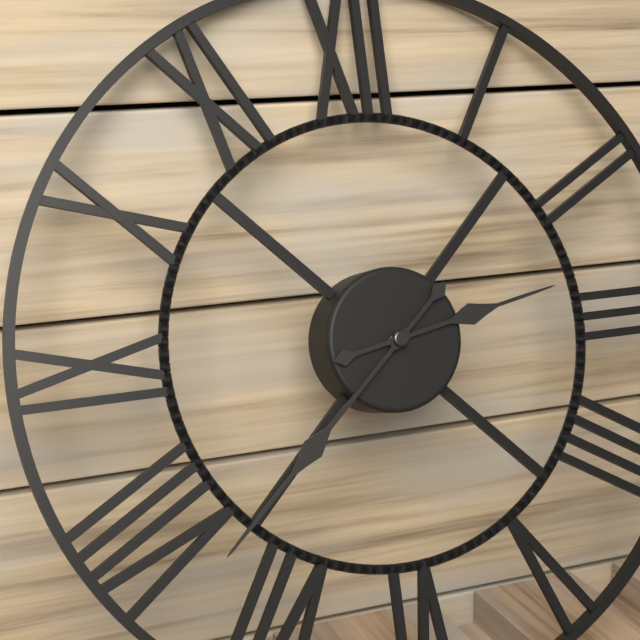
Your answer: 2 h 38 min
